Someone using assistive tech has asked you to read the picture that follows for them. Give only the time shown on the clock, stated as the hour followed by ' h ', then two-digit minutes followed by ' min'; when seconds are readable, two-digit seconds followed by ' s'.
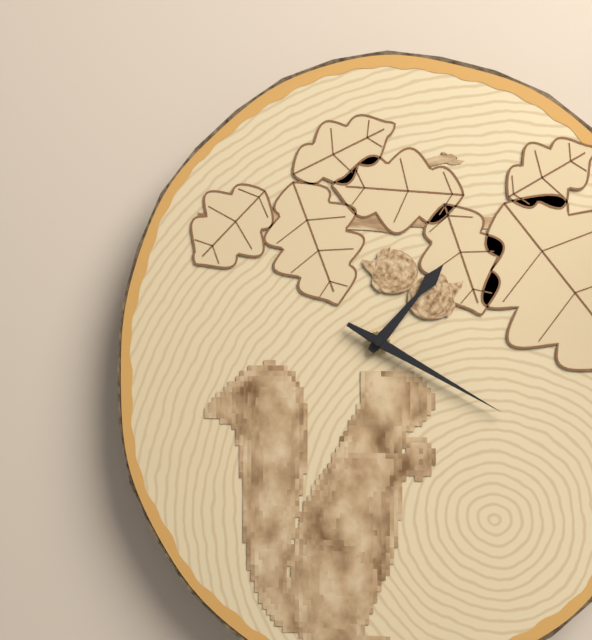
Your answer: 1 h 20 min
